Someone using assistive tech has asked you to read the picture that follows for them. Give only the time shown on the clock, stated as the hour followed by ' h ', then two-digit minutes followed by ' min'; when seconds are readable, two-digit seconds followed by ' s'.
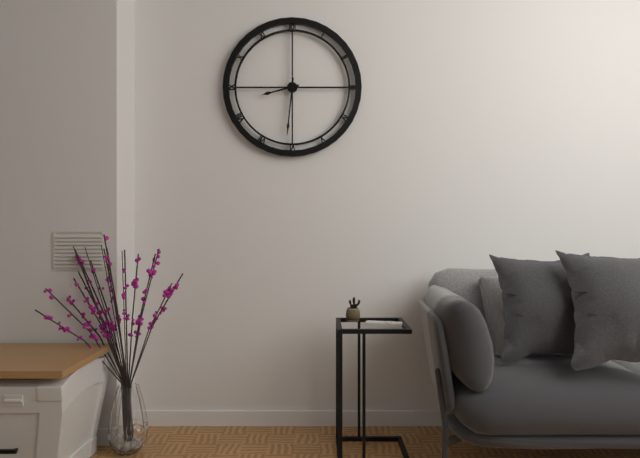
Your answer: 8 h 31 min
